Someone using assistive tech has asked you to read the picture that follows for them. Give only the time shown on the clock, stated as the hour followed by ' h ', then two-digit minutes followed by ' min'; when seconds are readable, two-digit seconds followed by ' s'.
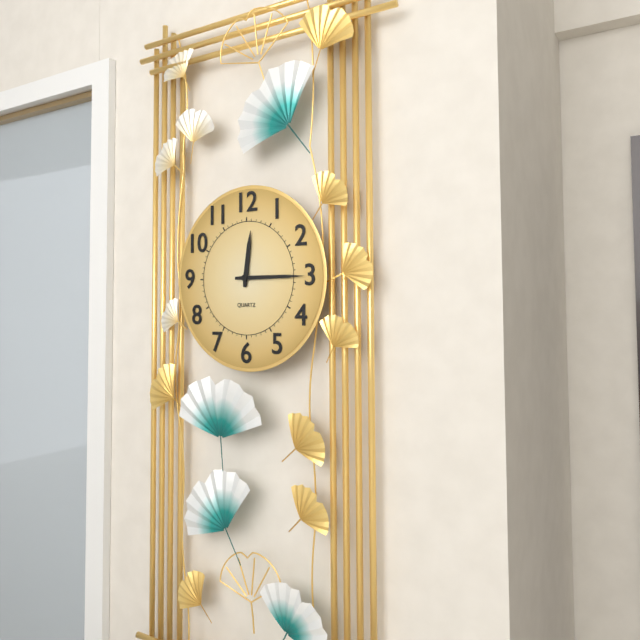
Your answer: 12 h 15 min
